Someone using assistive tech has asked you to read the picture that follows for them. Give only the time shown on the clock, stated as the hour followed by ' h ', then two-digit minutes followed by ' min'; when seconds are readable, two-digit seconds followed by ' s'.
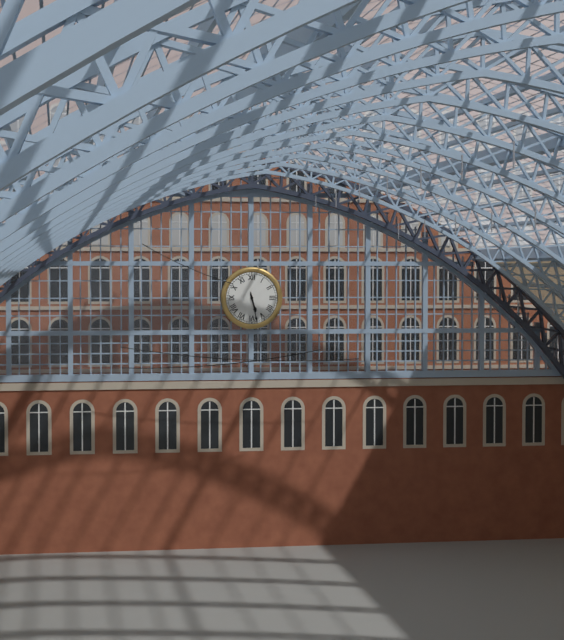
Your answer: 5 h 28 min
